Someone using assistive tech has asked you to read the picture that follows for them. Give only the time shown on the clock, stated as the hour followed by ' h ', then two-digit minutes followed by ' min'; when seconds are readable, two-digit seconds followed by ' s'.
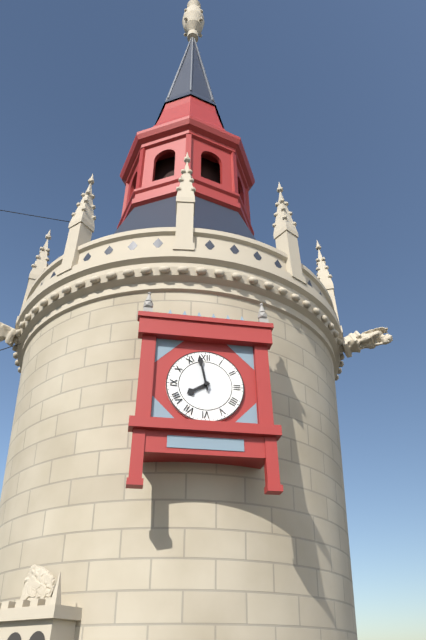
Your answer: 7 h 58 min
